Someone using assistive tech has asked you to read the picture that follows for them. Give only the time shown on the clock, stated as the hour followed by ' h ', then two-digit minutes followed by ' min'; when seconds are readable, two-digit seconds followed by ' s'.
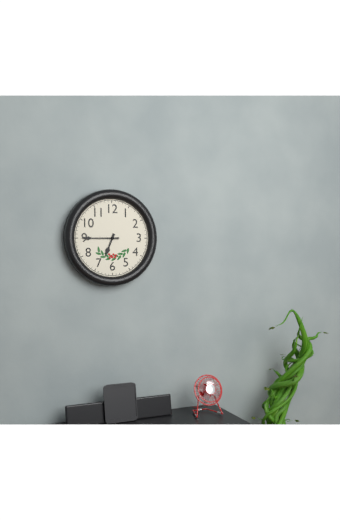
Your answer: 6 h 45 min
